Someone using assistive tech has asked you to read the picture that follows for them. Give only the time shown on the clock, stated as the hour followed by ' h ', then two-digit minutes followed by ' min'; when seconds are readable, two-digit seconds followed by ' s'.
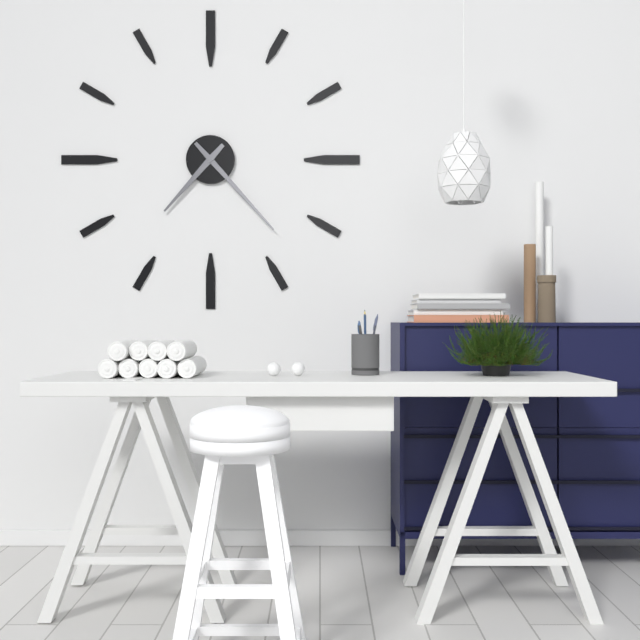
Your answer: 7 h 23 min
